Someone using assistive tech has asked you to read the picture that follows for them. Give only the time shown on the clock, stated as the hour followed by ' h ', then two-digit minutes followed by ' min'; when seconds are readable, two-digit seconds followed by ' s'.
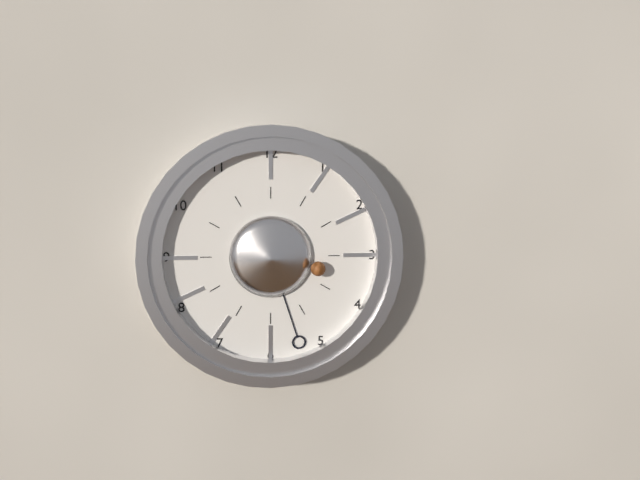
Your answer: 3 h 27 min
